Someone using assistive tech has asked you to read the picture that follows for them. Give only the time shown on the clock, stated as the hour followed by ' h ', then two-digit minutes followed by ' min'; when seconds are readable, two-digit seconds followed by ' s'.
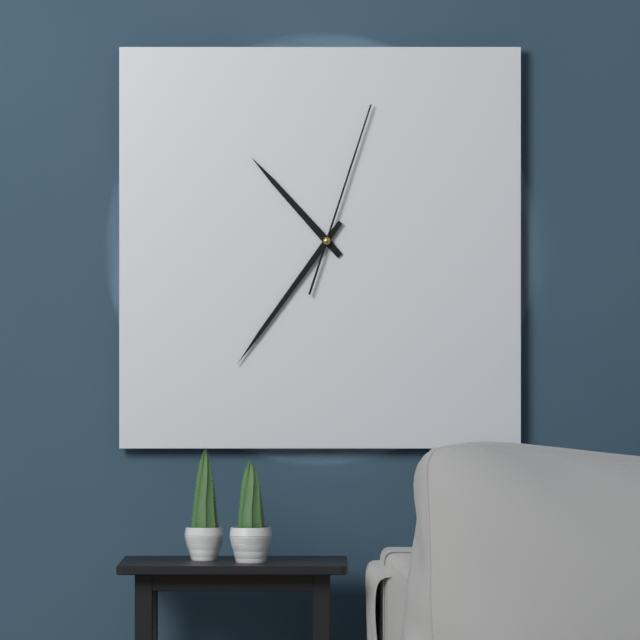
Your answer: 10 h 36 min 03 s
